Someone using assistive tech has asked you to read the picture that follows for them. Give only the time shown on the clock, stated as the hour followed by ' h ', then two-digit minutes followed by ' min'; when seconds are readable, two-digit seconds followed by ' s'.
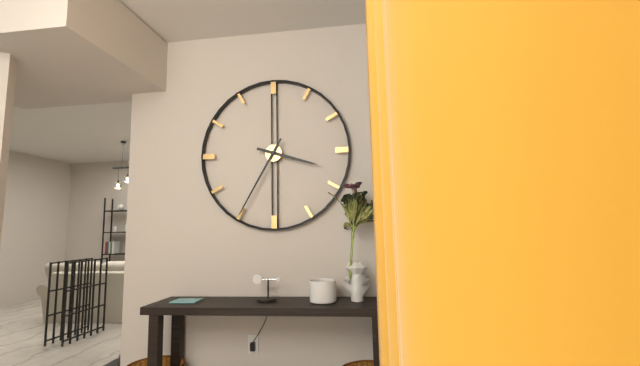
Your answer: 3 h 35 min
